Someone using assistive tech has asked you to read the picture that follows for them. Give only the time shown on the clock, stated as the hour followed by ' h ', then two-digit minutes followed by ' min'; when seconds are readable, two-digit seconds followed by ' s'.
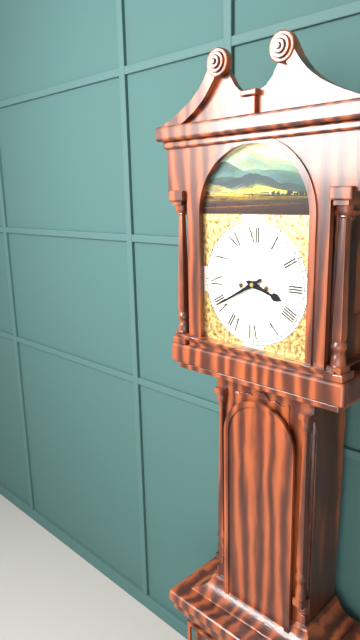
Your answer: 3 h 40 min
